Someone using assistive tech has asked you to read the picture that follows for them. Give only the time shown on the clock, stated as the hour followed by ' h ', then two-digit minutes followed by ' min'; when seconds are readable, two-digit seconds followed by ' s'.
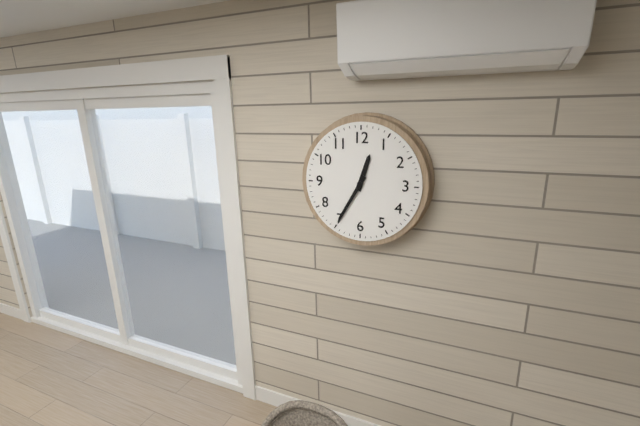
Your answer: 12 h 35 min
